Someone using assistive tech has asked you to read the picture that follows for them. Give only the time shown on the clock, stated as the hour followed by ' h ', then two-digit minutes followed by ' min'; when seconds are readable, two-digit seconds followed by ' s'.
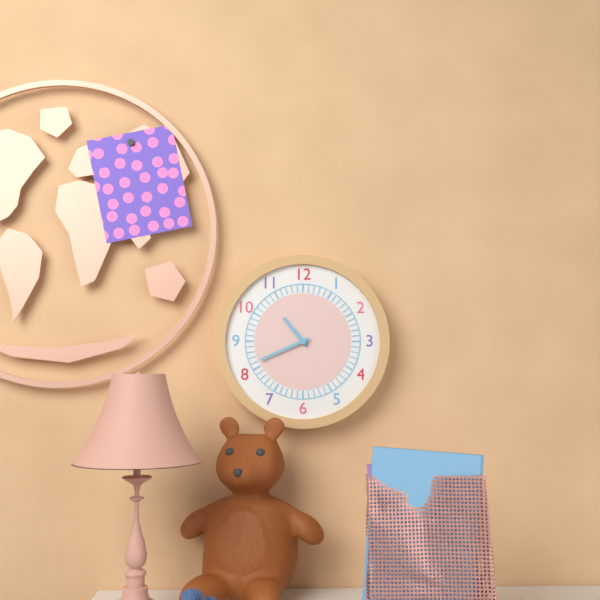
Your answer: 10 h 41 min
